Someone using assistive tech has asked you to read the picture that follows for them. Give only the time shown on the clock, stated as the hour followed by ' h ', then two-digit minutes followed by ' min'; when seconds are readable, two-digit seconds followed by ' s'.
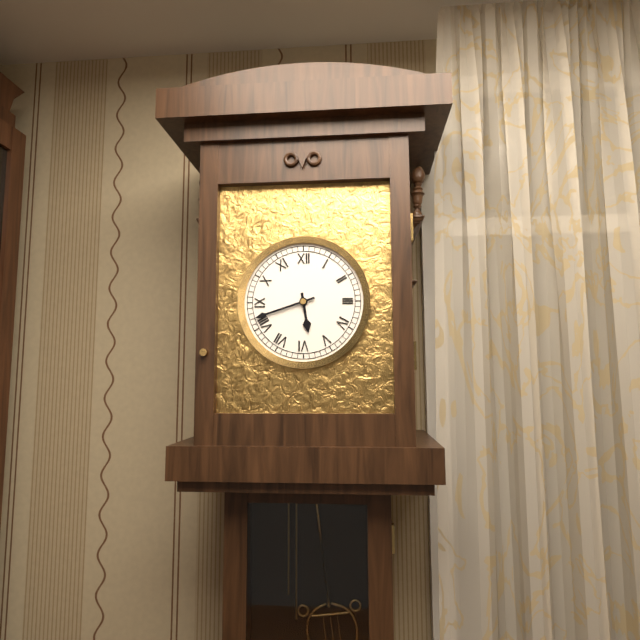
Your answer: 5 h 42 min
